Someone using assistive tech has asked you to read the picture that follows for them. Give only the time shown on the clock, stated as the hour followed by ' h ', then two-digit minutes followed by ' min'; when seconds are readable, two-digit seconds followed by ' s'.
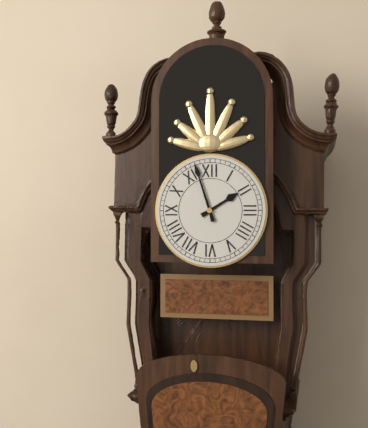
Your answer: 1 h 57 min
